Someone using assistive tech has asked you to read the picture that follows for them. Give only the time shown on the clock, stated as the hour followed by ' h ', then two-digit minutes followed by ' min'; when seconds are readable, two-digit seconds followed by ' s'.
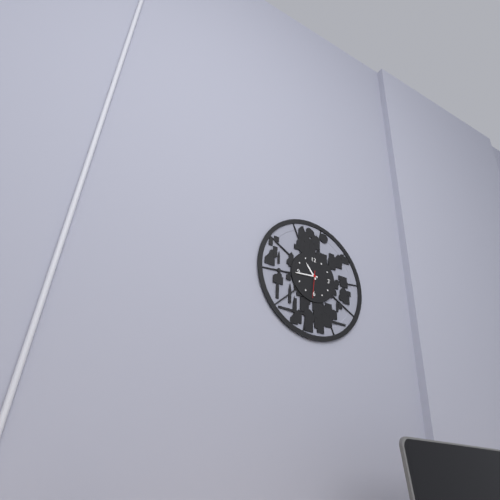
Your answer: 10 h 44 min
